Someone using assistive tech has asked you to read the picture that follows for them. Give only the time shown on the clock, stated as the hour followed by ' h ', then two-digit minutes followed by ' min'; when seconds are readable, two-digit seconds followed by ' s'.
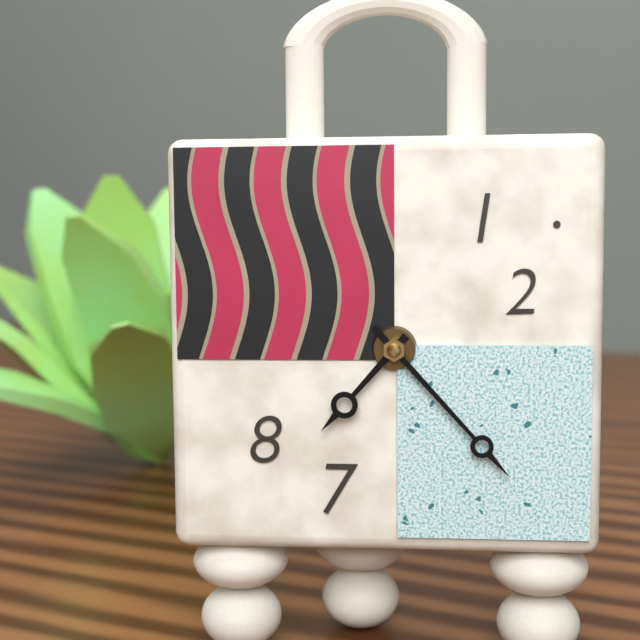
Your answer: 7 h 23 min
